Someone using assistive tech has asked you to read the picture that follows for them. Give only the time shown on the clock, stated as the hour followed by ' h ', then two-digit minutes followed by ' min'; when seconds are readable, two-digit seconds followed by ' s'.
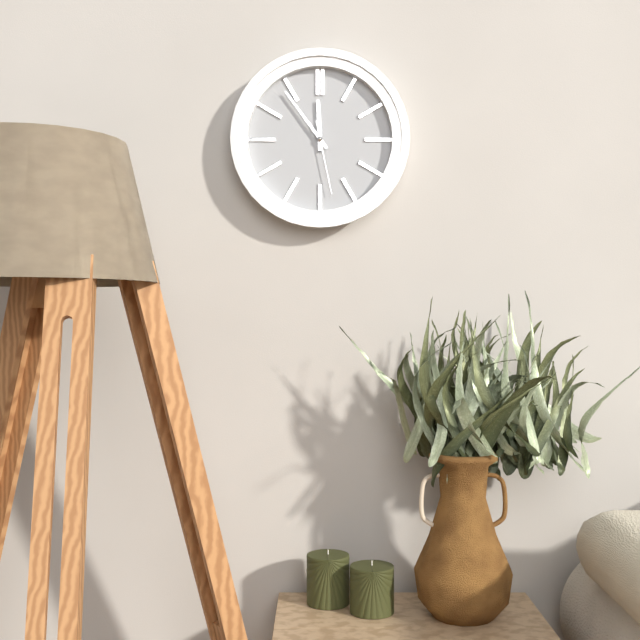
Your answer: 11 h 54 min 28 s
